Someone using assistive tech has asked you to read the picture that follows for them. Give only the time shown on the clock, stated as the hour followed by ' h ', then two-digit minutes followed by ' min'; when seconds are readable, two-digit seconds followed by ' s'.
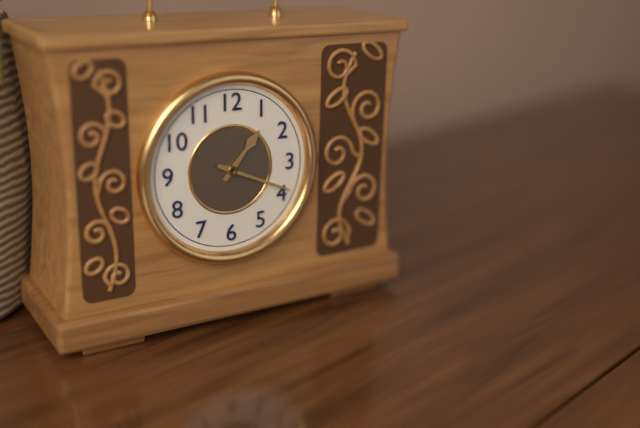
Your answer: 1 h 19 min
